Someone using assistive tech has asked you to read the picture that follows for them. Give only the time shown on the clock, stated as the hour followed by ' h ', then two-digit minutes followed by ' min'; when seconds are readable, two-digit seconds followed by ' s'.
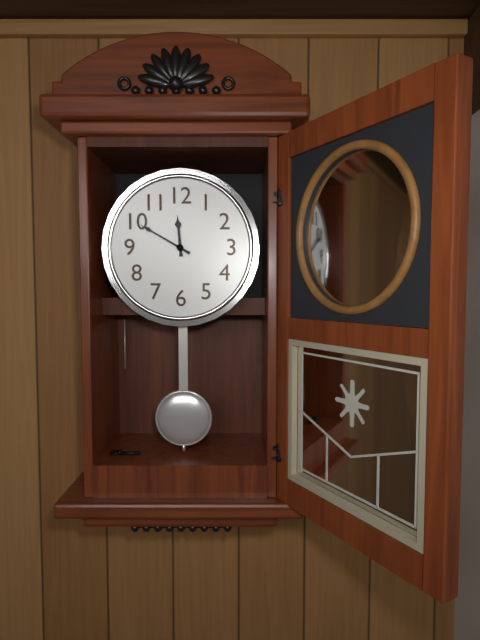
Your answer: 11 h 50 min
